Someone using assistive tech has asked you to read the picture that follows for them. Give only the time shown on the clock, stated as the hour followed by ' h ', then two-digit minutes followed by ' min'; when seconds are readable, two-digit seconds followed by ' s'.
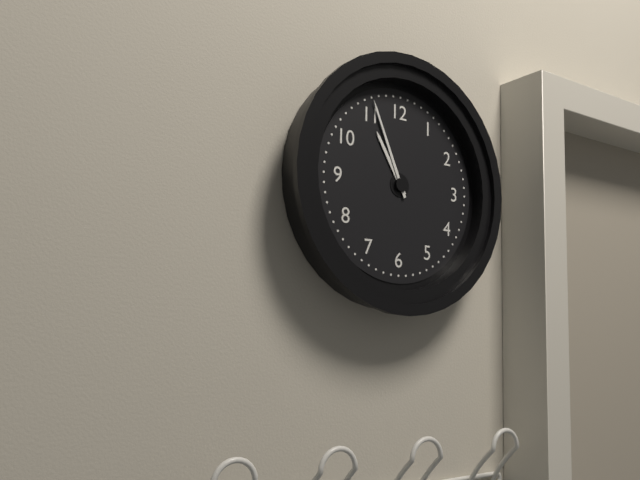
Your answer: 10 h 56 min
